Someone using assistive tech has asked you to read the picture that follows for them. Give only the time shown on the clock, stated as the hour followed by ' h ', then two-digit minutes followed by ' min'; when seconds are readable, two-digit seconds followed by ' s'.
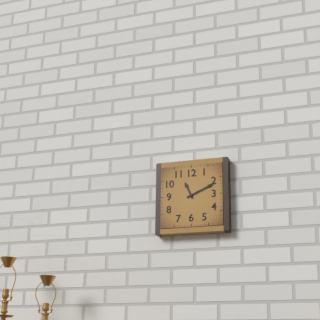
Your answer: 11 h 11 min
